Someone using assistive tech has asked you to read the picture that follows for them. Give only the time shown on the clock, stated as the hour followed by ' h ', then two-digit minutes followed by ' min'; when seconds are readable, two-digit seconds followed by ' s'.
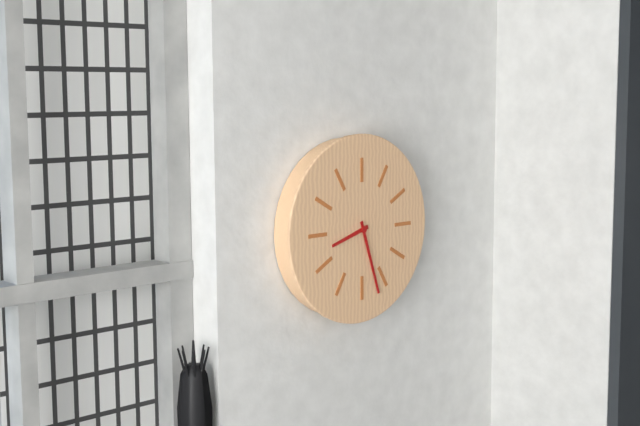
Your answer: 8 h 27 min
